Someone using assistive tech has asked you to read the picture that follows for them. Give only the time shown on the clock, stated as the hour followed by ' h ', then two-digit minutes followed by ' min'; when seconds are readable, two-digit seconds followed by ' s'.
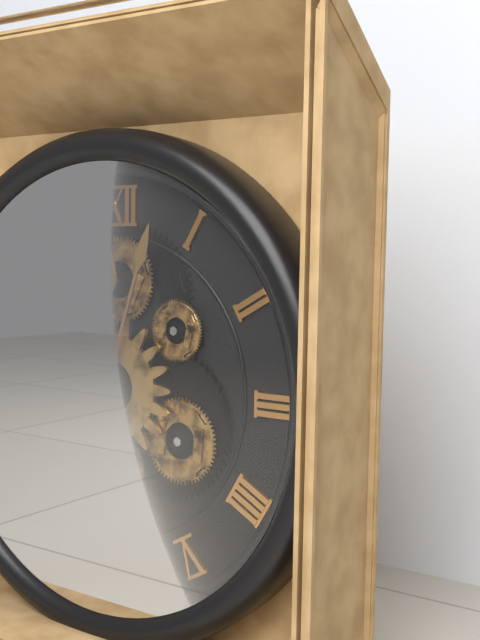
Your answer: 12 h 03 min
